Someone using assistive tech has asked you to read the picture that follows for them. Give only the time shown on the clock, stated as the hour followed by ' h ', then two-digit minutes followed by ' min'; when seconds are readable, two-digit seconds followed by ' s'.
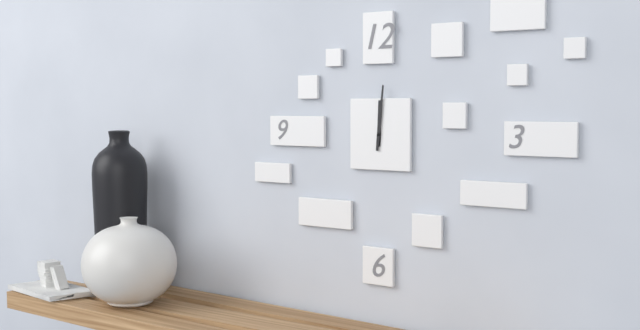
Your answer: 12 h 01 min
